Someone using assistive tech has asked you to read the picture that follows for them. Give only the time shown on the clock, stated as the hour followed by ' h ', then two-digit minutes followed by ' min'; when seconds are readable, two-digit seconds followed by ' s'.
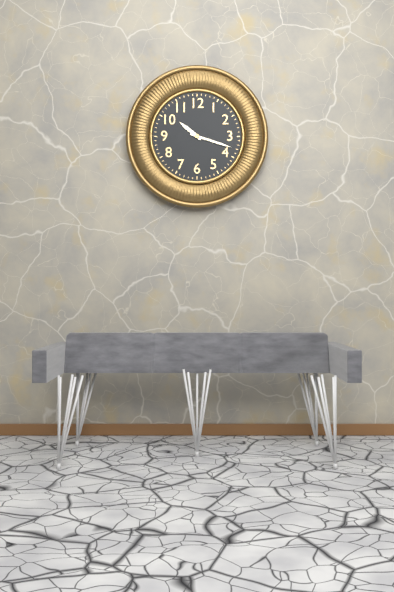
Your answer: 10 h 18 min
